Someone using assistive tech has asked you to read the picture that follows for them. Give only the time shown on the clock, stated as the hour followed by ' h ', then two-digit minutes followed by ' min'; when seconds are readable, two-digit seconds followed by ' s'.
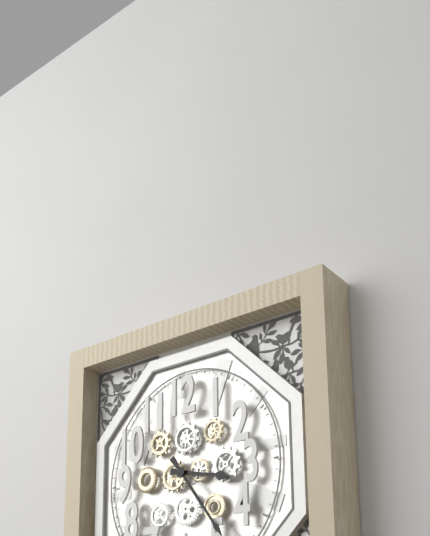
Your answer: 3 h 24 min
